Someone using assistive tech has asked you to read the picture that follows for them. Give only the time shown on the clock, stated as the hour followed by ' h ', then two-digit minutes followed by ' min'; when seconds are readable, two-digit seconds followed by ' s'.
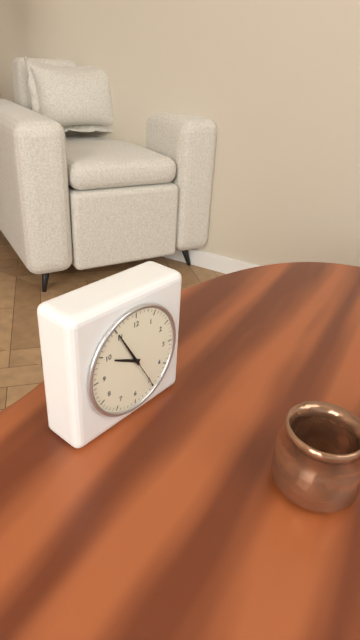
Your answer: 9 h 55 min
